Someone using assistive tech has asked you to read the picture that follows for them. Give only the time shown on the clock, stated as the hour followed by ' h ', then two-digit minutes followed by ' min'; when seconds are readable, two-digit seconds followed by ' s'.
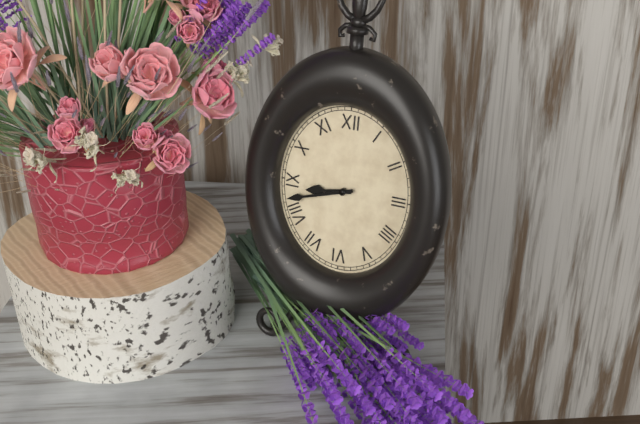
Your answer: 8 h 42 min
